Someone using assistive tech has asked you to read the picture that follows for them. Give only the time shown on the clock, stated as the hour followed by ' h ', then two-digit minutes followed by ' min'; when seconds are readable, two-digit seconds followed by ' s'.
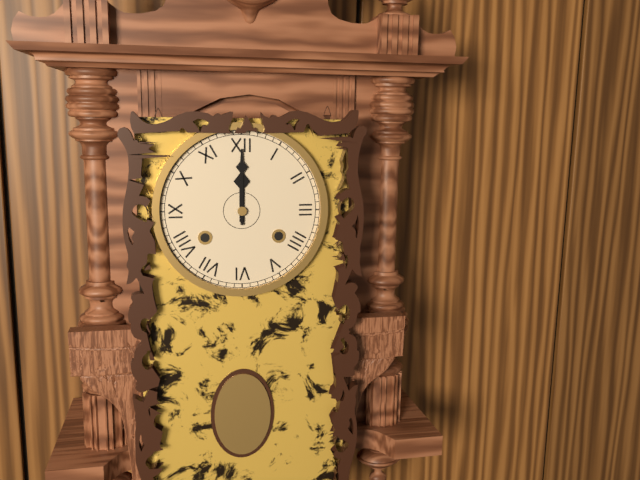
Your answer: 12 h 00 min
